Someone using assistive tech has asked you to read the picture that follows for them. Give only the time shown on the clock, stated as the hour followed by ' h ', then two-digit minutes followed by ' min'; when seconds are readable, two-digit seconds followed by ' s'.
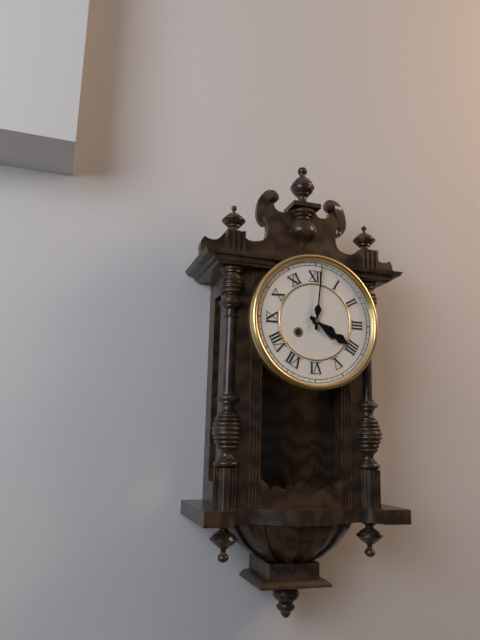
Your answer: 4 h 01 min
